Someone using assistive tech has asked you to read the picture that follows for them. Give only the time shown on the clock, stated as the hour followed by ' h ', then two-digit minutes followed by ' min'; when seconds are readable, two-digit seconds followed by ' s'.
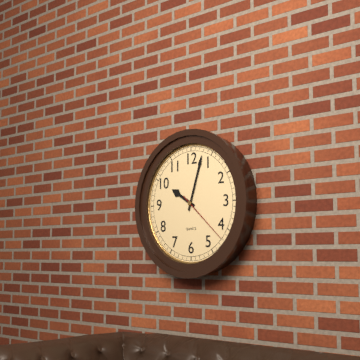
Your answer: 10 h 03 min 22 s
